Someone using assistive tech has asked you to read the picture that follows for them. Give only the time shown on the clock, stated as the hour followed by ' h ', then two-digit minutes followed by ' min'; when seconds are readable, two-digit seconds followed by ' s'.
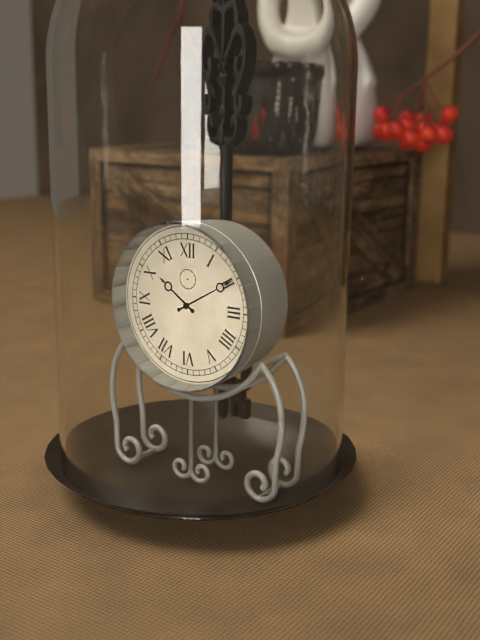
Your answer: 10 h 10 min
